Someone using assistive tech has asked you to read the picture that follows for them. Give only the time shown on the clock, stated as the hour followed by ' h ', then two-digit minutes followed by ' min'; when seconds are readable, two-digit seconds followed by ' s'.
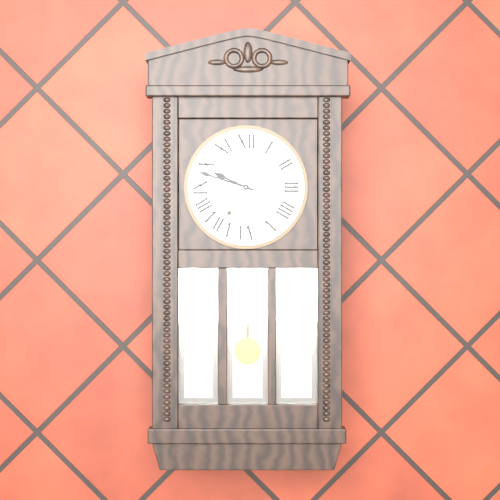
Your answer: 9 h 48 min
